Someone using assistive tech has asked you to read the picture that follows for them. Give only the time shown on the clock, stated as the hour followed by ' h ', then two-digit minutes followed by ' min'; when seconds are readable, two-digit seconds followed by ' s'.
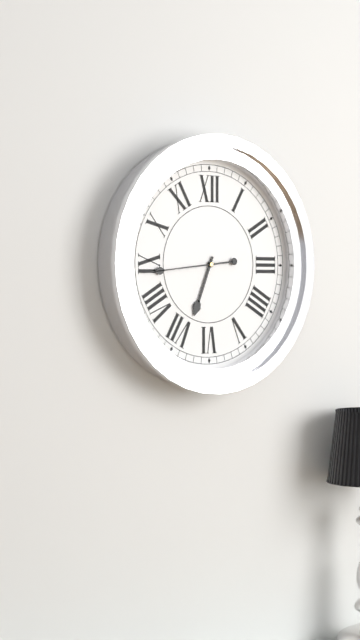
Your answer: 6 h 44 min
